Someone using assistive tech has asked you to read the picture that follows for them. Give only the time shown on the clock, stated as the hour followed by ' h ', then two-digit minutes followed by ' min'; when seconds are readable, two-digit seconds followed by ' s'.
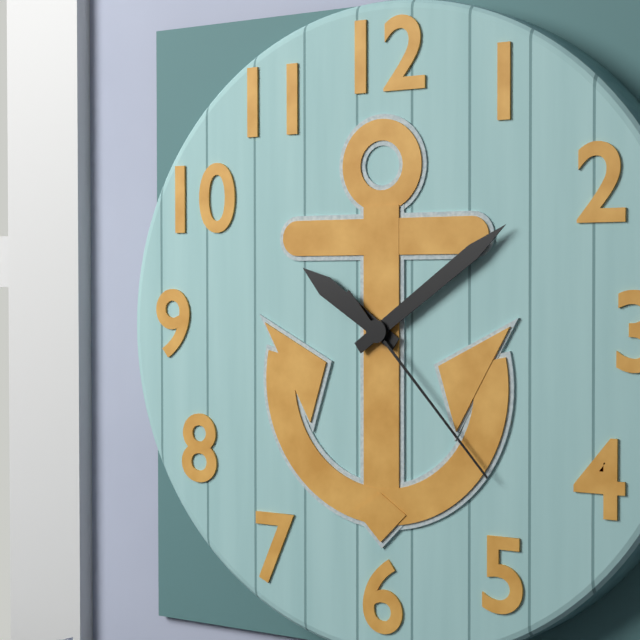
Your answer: 10 h 09 min 23 s
